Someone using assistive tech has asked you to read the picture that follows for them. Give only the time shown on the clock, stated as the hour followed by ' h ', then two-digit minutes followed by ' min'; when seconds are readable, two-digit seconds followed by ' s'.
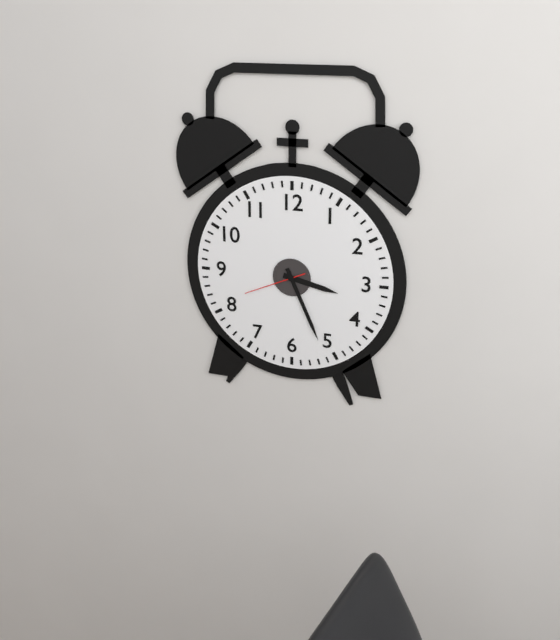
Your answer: 3 h 26 min 41 s
